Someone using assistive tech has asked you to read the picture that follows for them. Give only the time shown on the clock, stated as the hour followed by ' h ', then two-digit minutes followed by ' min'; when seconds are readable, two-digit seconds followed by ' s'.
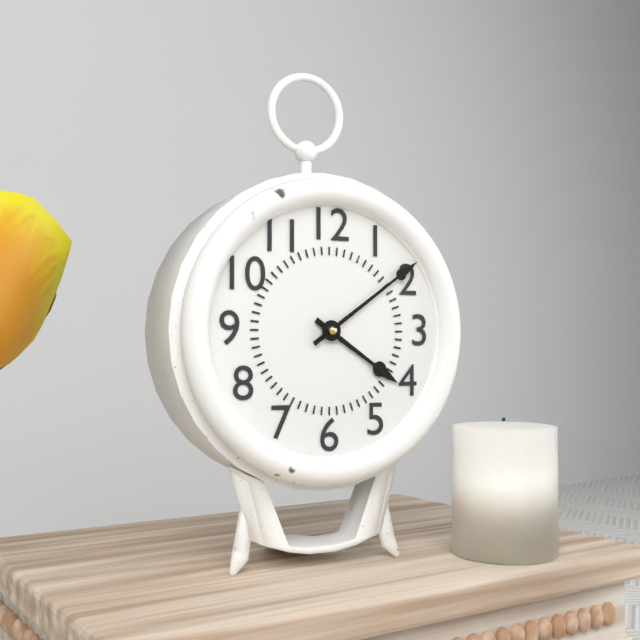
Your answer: 4 h 09 min
